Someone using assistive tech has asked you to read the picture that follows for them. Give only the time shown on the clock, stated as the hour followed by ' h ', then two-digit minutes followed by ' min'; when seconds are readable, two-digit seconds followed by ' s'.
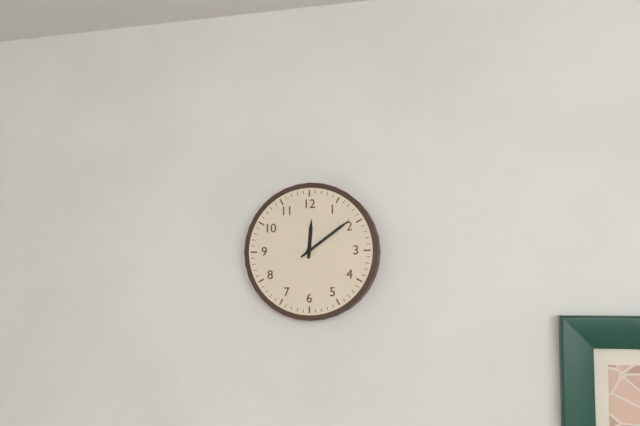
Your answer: 12 h 09 min
